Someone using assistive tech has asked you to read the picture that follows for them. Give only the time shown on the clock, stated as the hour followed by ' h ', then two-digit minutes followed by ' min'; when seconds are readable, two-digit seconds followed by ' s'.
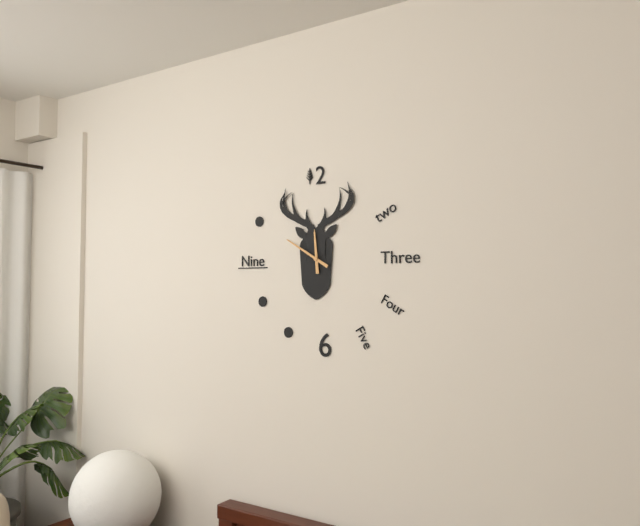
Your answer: 11 h 50 min
